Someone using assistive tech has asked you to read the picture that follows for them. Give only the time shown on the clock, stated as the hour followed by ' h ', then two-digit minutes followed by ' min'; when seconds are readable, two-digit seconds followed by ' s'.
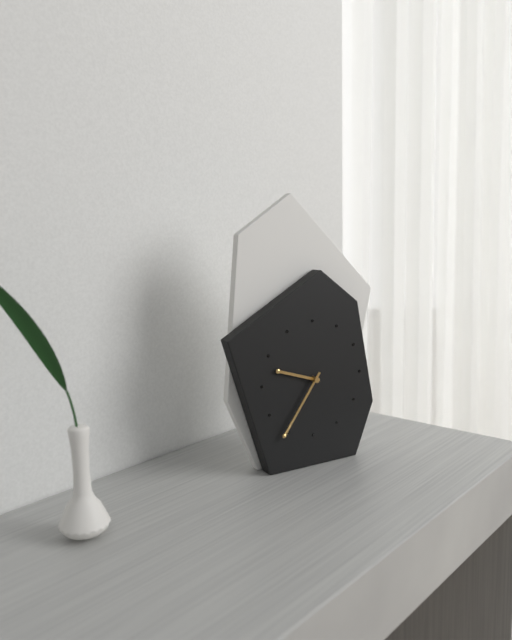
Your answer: 9 h 36 min
